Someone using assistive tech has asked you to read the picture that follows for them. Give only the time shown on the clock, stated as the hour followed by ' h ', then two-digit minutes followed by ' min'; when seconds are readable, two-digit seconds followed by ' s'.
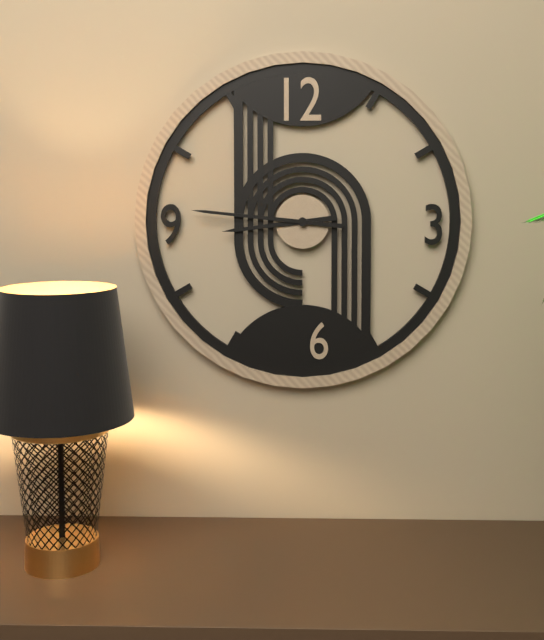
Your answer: 8 h 46 min
